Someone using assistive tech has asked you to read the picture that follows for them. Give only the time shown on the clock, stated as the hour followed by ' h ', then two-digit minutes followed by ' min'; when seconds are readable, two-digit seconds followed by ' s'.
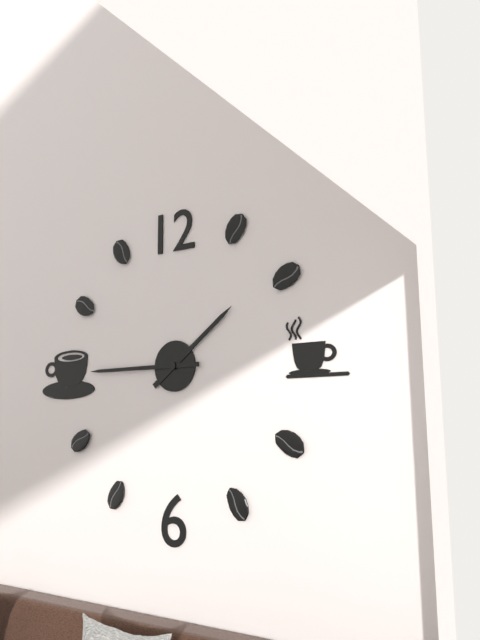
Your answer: 1 h 45 min
